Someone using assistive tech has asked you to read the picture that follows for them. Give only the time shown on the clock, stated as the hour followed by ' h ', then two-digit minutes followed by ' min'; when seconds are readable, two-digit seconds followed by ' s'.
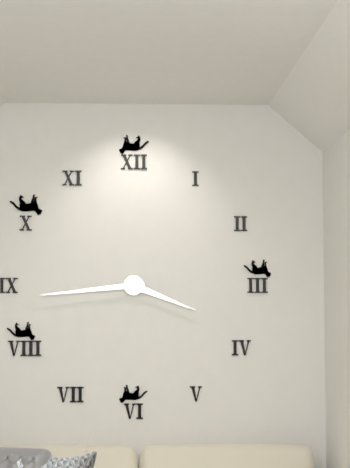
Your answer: 3 h 44 min
